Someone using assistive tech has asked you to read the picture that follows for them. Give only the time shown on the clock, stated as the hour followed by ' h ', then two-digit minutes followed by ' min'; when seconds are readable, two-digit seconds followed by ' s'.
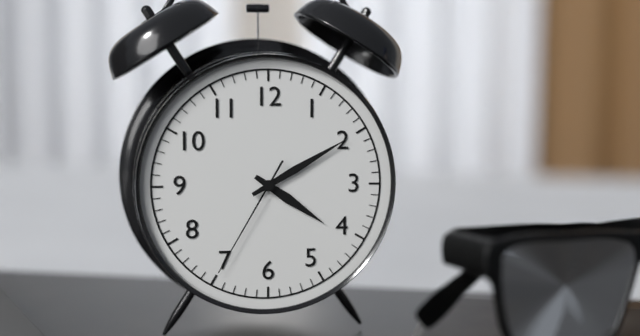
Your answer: 4 h 10 min 35 s
